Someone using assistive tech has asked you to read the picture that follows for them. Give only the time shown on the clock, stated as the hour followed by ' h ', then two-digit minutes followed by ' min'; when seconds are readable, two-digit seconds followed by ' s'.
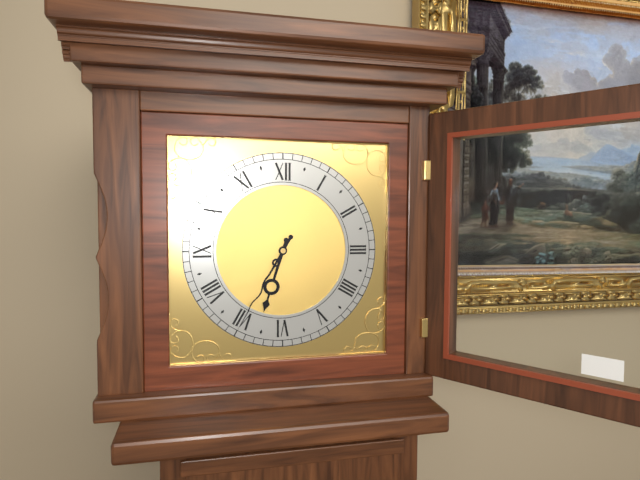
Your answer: 6 h 35 min
